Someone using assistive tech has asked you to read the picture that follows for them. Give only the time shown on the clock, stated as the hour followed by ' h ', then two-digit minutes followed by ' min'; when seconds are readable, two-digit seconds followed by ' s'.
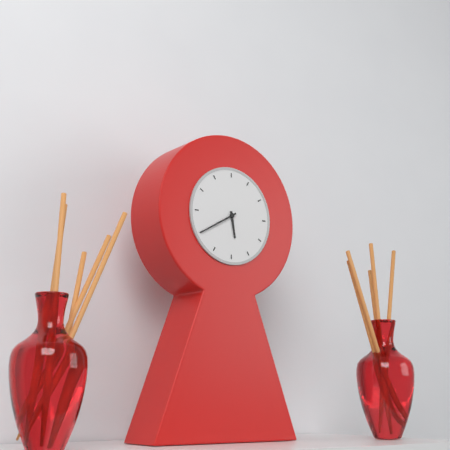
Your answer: 5 h 40 min
